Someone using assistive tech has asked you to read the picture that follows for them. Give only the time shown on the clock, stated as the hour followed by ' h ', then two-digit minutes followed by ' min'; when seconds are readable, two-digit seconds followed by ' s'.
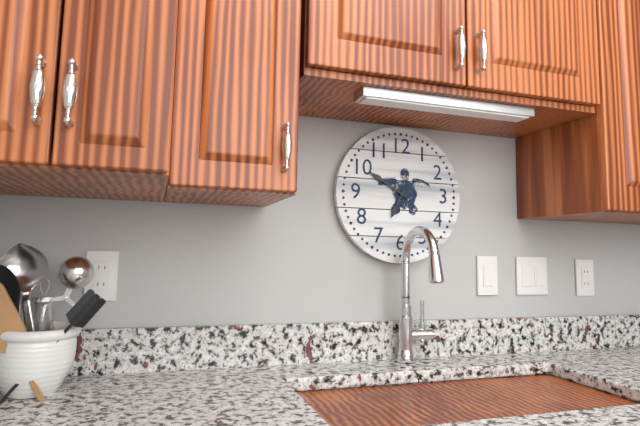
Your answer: 6 h 50 min
